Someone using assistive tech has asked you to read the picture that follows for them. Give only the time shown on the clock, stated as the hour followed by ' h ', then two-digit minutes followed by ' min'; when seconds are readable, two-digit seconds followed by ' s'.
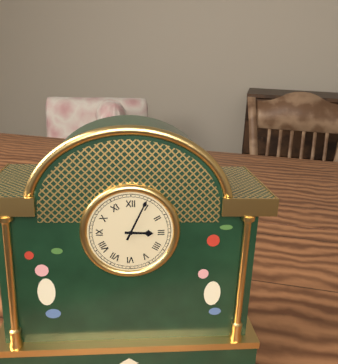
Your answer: 3 h 04 min
